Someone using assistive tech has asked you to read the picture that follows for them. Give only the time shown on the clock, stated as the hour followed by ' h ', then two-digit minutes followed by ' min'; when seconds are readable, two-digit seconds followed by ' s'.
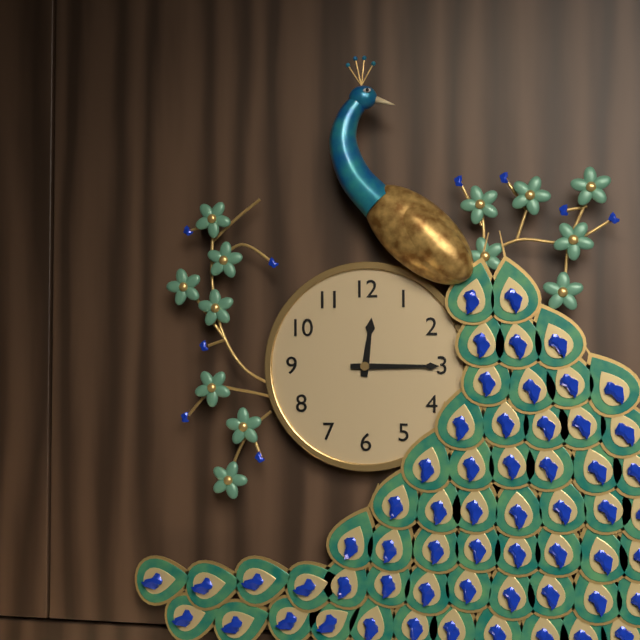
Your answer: 12 h 15 min
